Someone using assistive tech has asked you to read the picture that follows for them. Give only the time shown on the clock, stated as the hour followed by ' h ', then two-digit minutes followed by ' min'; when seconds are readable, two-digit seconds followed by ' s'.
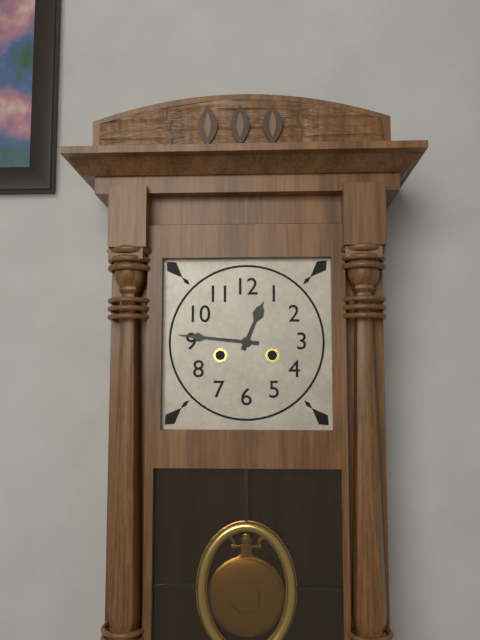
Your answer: 12 h 46 min
